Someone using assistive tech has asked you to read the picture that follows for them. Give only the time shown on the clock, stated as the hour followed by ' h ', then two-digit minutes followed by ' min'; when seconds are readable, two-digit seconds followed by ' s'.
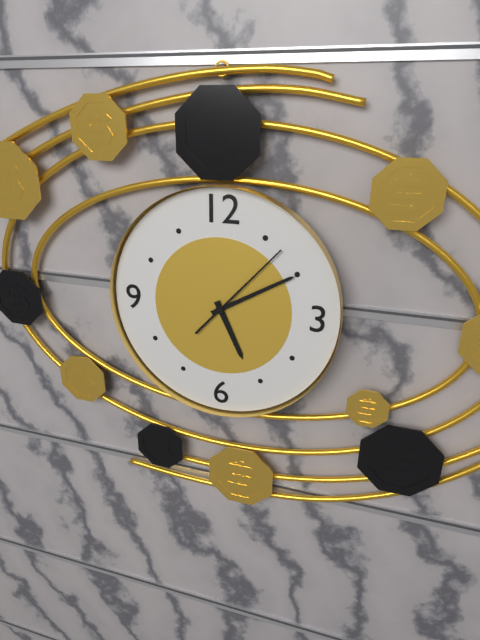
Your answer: 5 h 10 min 07 s
